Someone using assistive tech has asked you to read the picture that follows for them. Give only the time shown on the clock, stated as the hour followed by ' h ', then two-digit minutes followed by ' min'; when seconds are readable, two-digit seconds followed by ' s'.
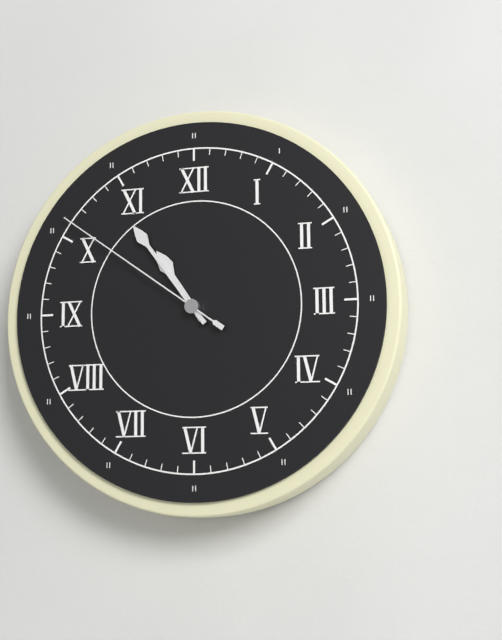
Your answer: 10 h 54 min 51 s
